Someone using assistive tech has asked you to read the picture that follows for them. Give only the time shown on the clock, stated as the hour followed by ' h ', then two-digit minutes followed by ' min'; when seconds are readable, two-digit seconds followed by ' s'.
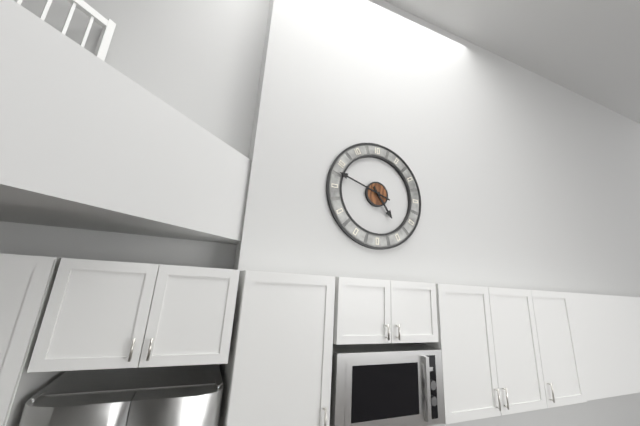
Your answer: 4 h 48 min
